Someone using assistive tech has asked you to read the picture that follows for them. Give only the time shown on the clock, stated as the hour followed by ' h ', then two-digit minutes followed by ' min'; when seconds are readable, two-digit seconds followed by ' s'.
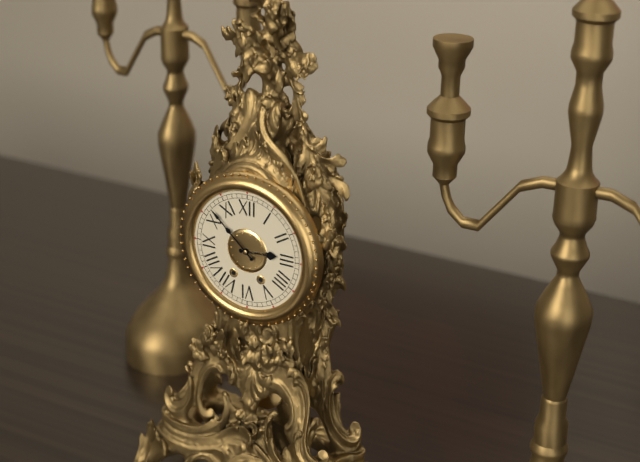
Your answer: 2 h 52 min
